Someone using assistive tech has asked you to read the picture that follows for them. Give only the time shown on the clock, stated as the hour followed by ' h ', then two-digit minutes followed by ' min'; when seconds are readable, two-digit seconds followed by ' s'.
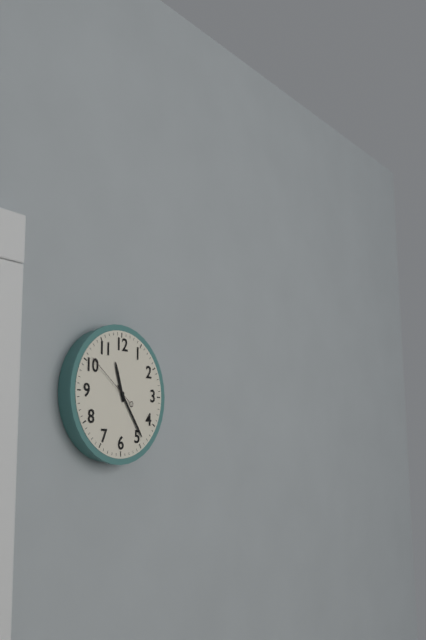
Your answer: 11 h 24 min 51 s
